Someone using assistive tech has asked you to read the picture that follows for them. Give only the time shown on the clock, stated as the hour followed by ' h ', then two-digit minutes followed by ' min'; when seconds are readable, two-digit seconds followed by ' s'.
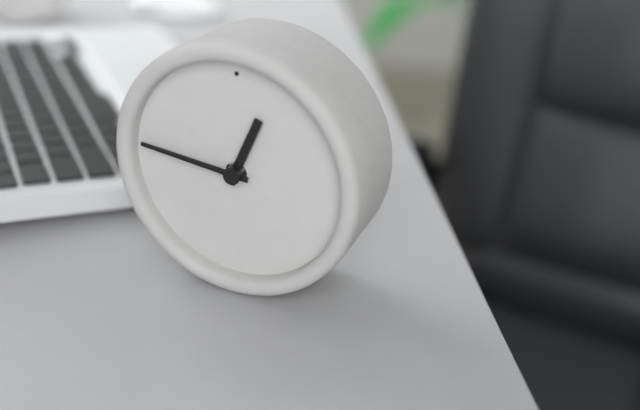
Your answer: 12 h 46 min
